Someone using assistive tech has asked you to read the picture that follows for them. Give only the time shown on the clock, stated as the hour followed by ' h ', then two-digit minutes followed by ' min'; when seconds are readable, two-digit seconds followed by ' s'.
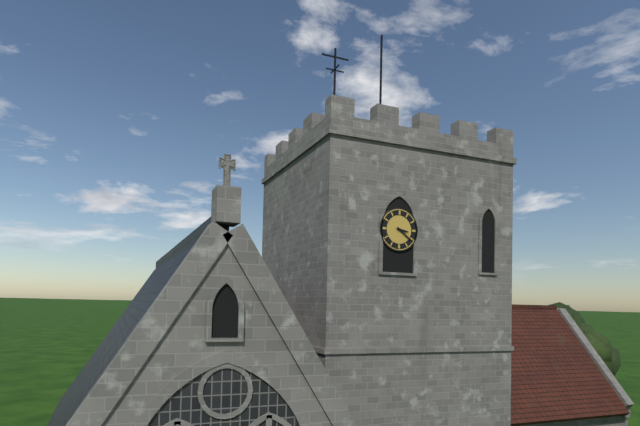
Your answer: 3 h 21 min
